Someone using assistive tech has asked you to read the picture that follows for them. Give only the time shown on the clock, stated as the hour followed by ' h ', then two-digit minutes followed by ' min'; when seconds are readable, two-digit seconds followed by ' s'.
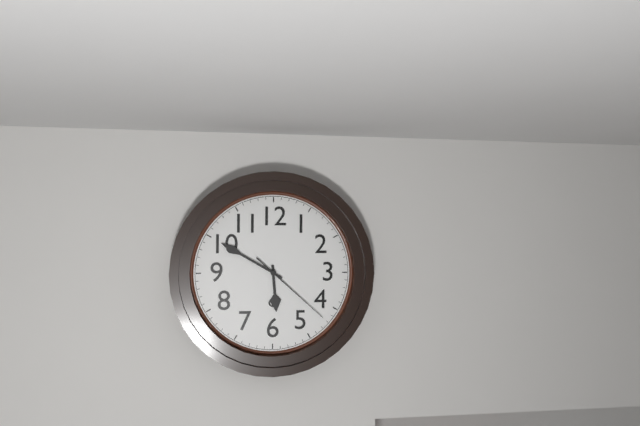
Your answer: 5 h 50 min 22 s
